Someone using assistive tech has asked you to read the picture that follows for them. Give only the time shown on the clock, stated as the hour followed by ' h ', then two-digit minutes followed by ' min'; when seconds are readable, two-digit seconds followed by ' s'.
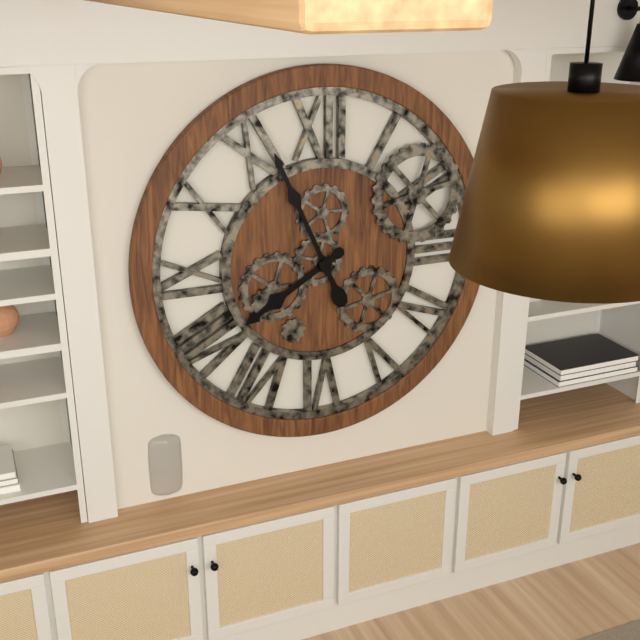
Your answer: 7 h 56 min
